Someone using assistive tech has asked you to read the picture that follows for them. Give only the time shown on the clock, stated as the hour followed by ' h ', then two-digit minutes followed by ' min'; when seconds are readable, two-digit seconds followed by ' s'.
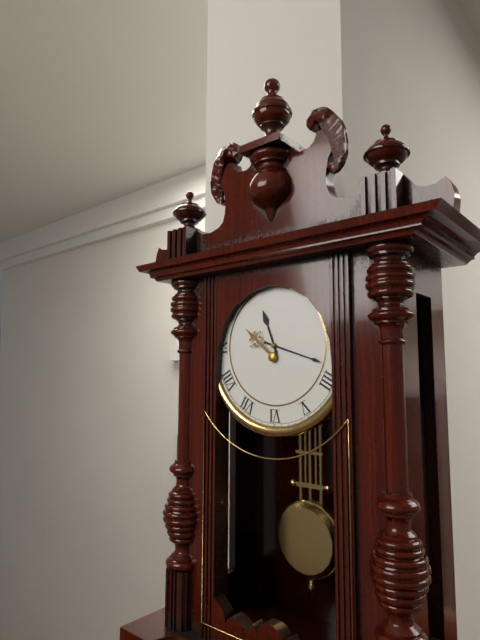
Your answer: 11 h 18 min
